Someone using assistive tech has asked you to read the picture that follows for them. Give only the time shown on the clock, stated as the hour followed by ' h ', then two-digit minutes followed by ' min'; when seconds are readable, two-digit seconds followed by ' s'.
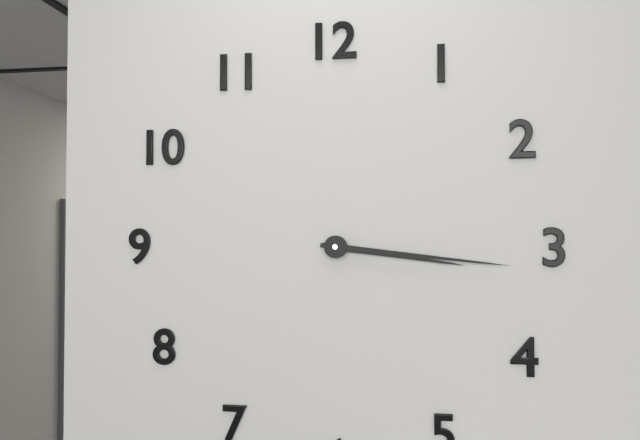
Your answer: 3 h 16 min
